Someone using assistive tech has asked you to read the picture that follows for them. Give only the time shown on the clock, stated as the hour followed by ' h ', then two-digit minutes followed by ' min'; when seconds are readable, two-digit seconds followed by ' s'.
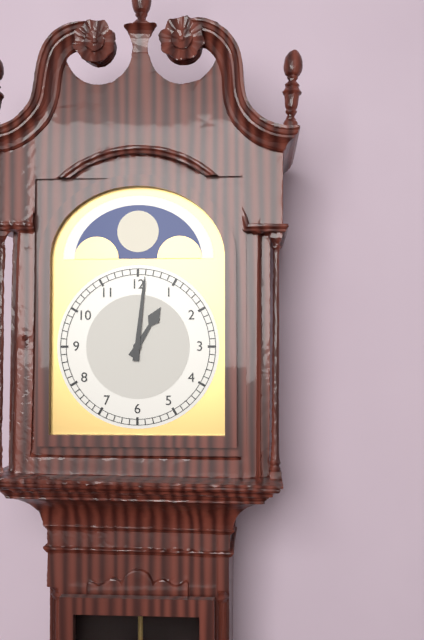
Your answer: 1 h 01 min
